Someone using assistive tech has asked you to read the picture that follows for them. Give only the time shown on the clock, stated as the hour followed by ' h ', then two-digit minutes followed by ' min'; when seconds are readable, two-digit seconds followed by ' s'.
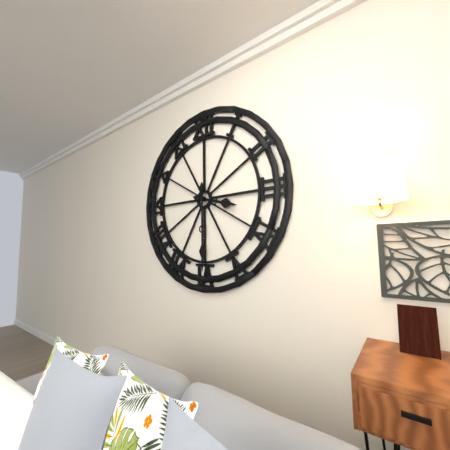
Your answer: 3 h 30 min
